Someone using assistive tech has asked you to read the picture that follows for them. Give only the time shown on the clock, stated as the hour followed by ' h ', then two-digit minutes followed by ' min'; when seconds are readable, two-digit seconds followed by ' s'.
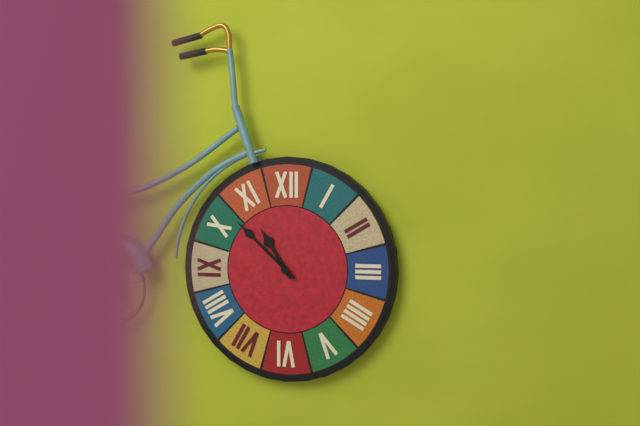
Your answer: 10 h 52 min
